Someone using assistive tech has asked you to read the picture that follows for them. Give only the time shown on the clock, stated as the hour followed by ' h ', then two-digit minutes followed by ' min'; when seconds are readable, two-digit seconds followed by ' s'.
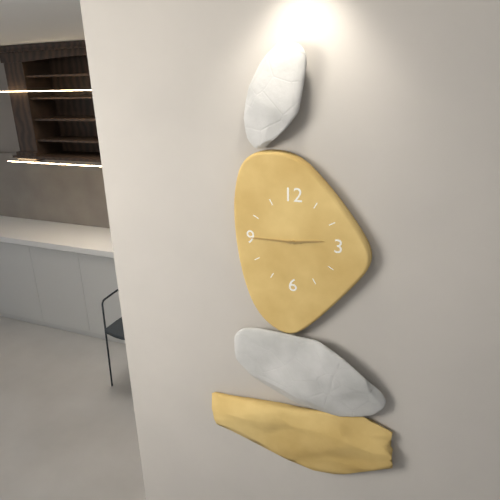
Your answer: 2 h 45 min
